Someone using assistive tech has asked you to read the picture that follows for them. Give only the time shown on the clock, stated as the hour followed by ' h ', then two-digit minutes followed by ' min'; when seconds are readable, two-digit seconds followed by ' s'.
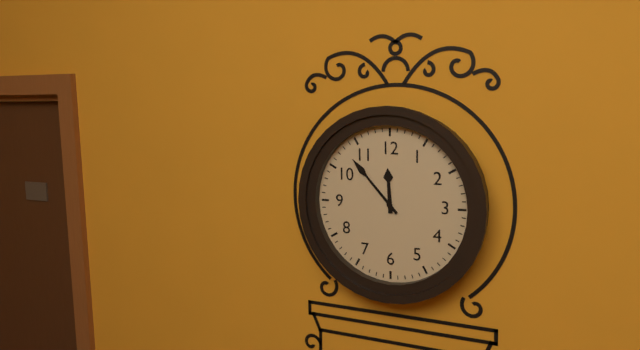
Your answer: 11 h 53 min
